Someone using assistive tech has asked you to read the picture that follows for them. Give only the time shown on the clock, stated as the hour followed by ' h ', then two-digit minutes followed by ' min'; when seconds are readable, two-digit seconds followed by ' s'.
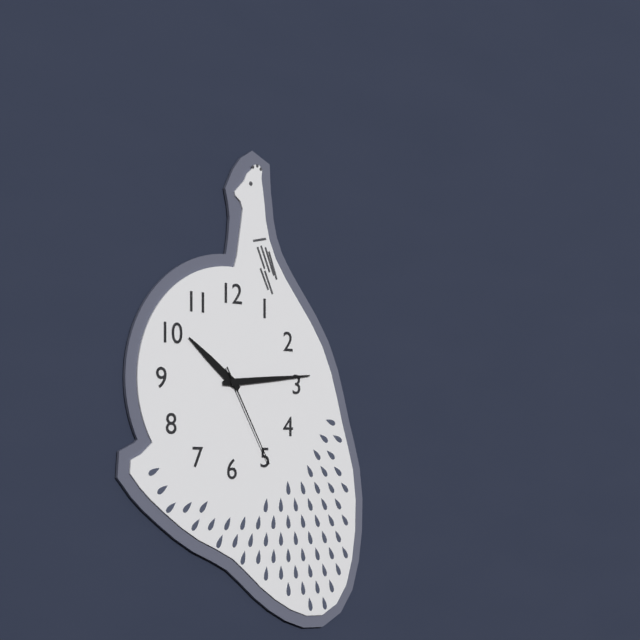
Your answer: 10 h 14 min 25 s
